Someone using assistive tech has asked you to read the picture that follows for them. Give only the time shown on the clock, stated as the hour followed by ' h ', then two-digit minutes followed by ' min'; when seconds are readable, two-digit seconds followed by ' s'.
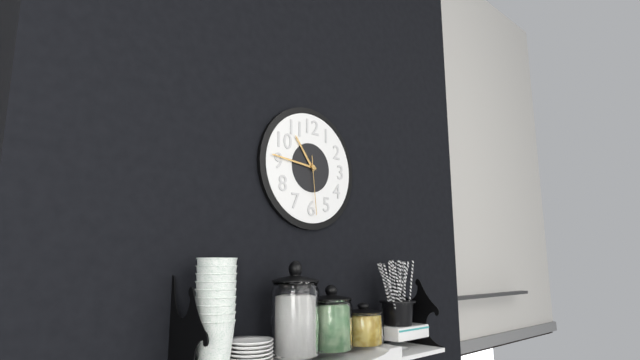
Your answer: 10 h 46 min 29 s
